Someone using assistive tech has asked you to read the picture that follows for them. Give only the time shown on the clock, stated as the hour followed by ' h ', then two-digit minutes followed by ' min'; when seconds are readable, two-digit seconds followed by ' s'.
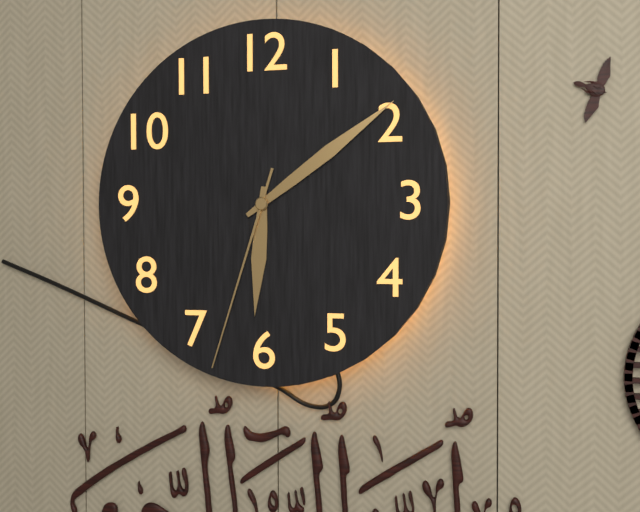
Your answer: 6 h 09 min 33 s
